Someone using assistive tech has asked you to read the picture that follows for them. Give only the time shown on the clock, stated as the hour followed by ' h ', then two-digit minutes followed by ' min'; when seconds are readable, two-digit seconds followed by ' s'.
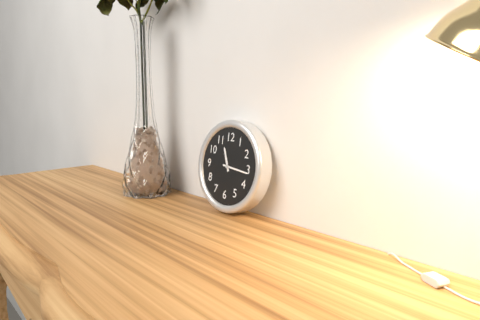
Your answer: 11 h 16 min
